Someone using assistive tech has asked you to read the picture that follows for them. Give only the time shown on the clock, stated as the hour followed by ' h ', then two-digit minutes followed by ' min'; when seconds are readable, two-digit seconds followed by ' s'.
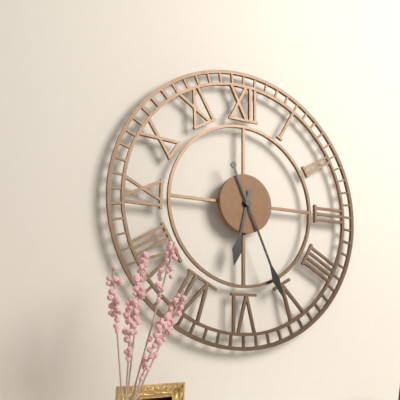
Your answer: 6 h 26 min
